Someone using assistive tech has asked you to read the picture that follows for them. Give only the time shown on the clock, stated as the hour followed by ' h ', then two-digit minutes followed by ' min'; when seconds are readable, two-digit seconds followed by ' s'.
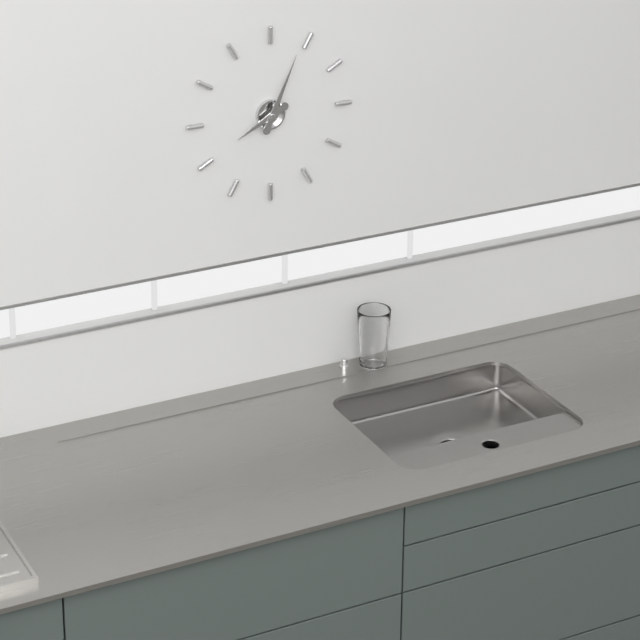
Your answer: 8 h 04 min
